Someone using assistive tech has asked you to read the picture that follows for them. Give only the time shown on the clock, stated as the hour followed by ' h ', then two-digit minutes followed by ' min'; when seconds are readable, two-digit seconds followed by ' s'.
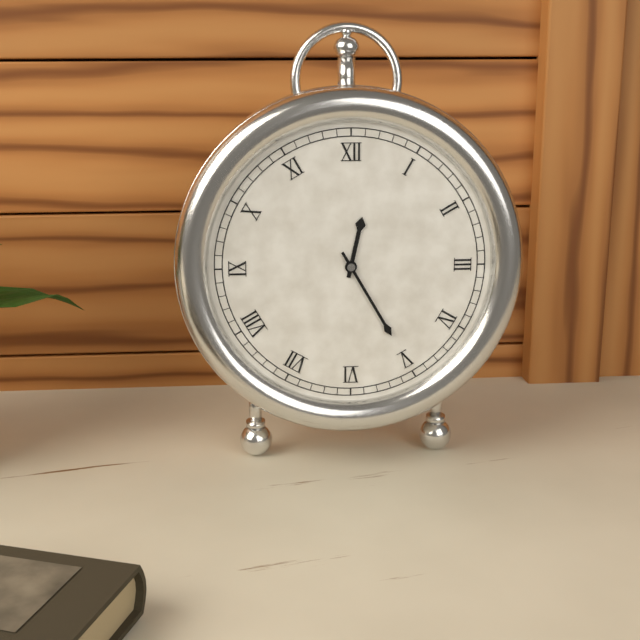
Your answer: 12 h 25 min
